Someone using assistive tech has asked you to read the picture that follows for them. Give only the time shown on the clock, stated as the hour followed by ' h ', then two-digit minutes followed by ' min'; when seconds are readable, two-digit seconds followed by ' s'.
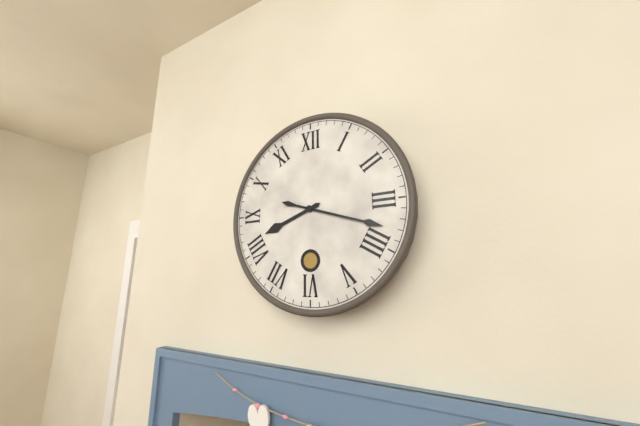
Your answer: 8 h 18 min
